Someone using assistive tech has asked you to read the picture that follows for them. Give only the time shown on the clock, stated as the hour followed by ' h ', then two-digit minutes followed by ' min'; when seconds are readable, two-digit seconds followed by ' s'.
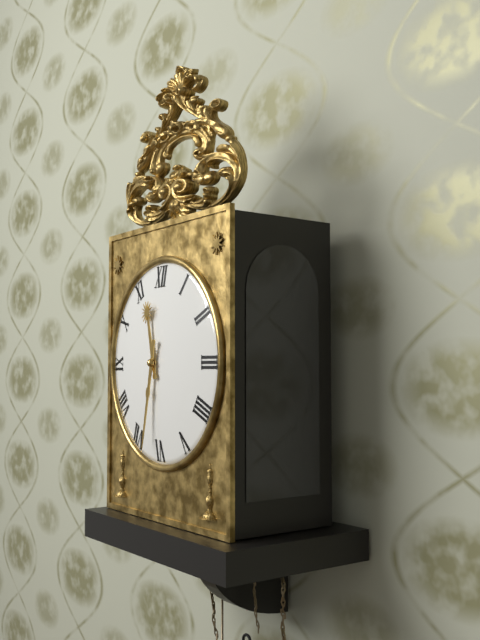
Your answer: 11 h 32 min
